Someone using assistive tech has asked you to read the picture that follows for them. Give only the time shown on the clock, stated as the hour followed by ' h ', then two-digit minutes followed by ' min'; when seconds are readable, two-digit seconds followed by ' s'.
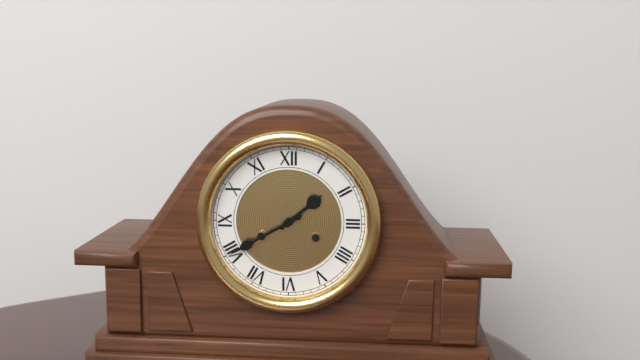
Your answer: 1 h 40 min
